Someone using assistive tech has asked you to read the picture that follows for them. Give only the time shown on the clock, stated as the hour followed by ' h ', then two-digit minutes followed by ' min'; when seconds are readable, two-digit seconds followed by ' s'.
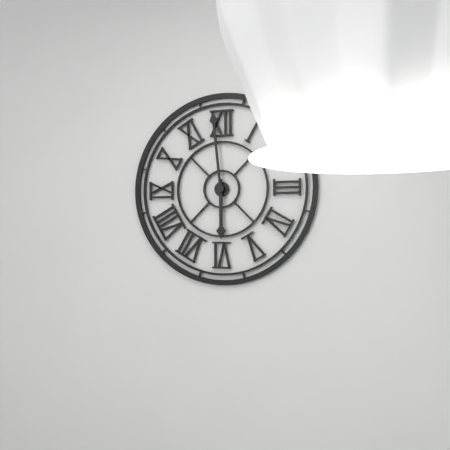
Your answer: 5 h 59 min
